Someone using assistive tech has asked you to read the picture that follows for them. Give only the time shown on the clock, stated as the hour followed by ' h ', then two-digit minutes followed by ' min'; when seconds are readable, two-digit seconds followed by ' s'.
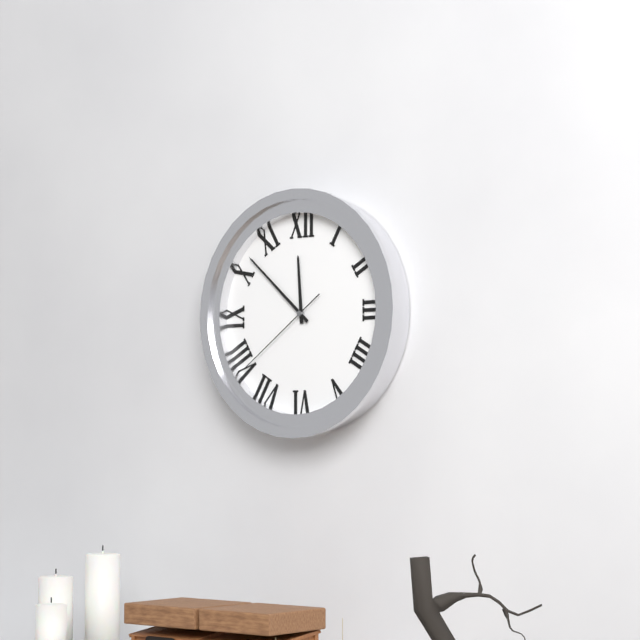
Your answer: 11 h 52 min 39 s
